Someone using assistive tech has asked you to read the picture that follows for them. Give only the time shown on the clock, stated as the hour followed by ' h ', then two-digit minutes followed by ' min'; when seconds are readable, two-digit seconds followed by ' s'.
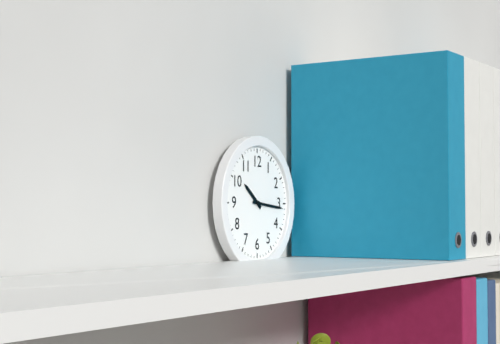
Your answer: 10 h 16 min
